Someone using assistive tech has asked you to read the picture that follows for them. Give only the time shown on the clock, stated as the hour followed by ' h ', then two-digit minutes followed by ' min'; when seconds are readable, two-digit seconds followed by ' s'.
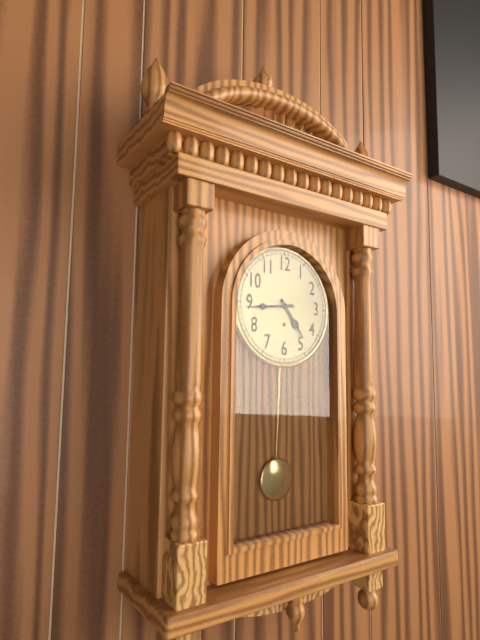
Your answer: 4 h 44 min
